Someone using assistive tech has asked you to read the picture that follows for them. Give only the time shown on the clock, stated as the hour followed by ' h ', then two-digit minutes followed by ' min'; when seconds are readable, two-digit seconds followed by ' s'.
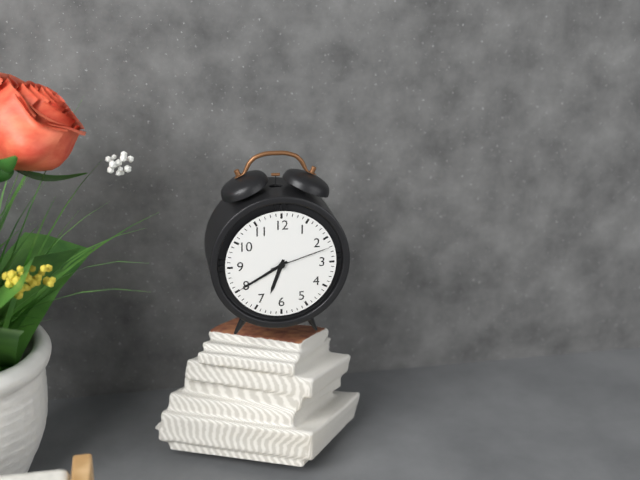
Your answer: 6 h 40 min 12 s
